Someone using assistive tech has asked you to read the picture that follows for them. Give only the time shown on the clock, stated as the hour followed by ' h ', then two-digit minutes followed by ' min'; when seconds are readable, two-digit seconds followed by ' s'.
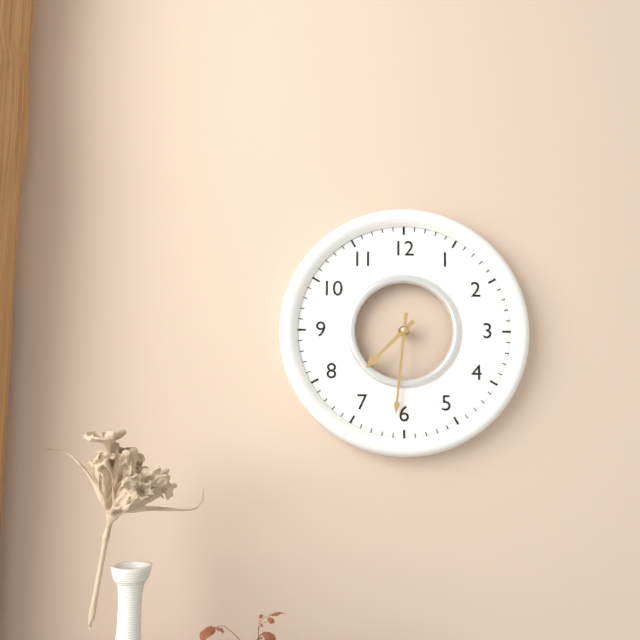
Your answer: 7 h 31 min
